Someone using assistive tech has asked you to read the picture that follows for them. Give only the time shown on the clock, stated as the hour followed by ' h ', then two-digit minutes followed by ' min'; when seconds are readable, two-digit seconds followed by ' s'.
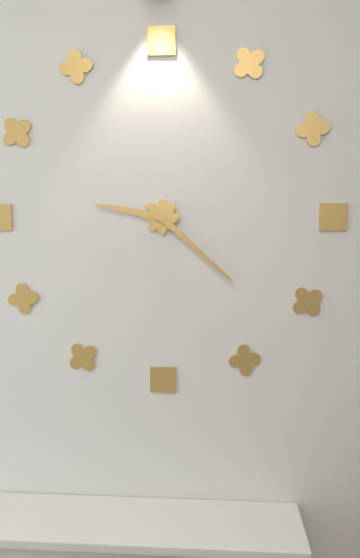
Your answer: 9 h 22 min
